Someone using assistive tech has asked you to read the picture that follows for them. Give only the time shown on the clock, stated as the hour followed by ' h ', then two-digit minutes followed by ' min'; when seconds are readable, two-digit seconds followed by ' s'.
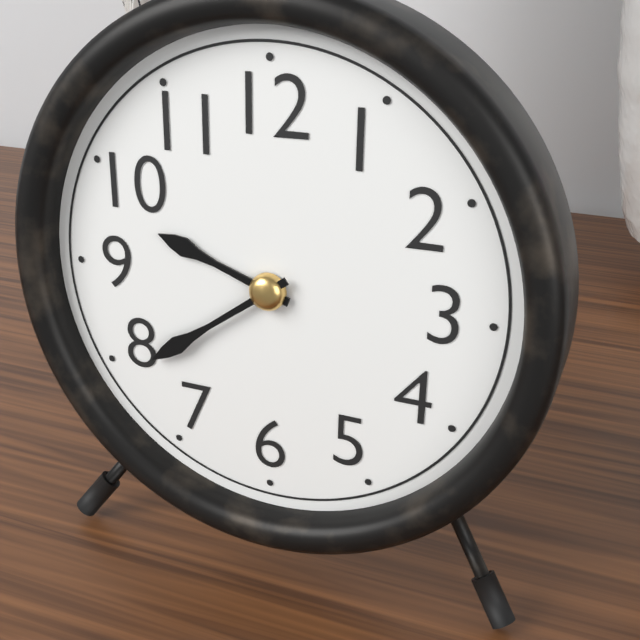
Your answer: 9 h 39 min
